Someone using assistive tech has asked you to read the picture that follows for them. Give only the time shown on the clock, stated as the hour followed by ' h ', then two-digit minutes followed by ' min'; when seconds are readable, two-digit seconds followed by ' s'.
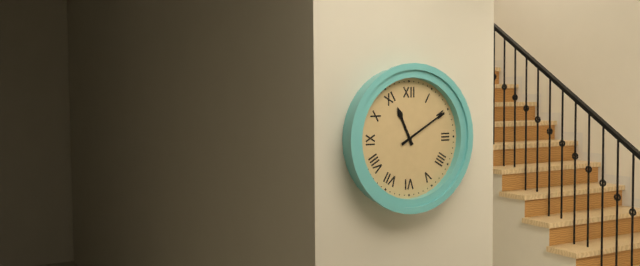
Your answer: 11 h 10 min
